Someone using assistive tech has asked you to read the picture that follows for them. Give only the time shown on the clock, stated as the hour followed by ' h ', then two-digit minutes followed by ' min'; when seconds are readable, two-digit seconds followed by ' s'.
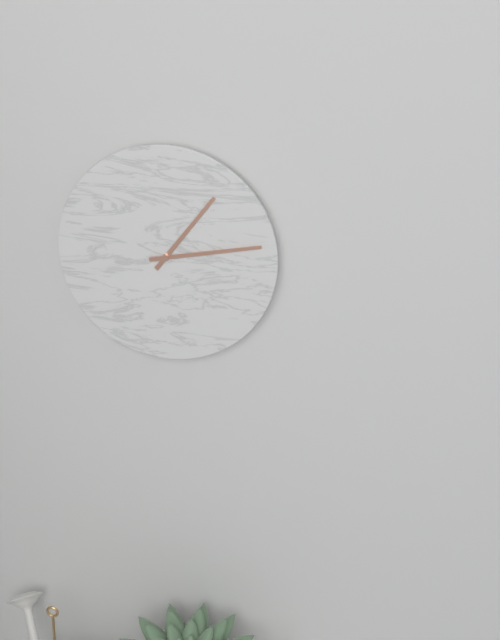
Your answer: 1 h 13 min
